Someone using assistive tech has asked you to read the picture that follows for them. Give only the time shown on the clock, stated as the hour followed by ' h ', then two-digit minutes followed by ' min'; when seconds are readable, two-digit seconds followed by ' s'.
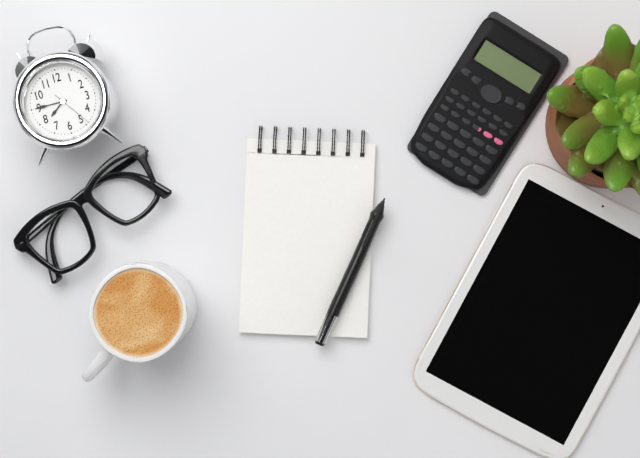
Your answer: 7 h 45 min
